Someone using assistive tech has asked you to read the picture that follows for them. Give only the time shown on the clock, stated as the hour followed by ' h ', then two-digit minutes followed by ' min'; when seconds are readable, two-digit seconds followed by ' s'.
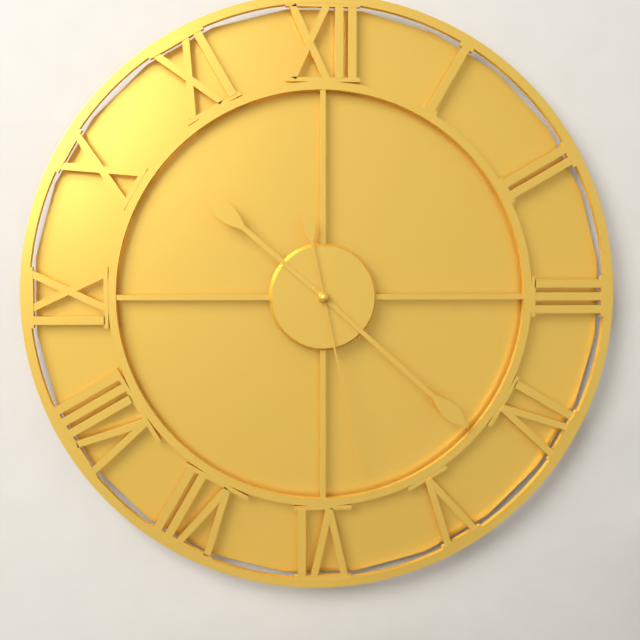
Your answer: 10 h 22 min 28 s
